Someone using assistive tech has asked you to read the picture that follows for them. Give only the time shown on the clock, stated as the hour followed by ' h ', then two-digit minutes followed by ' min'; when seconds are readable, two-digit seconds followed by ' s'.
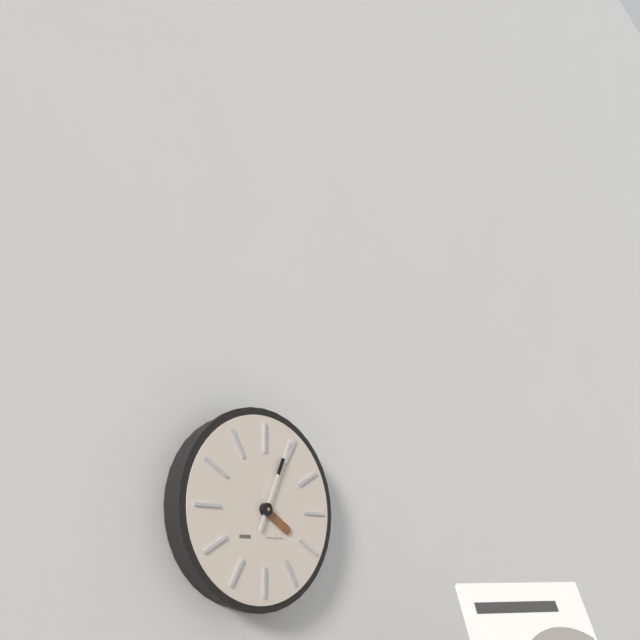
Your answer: 4 h 04 min
